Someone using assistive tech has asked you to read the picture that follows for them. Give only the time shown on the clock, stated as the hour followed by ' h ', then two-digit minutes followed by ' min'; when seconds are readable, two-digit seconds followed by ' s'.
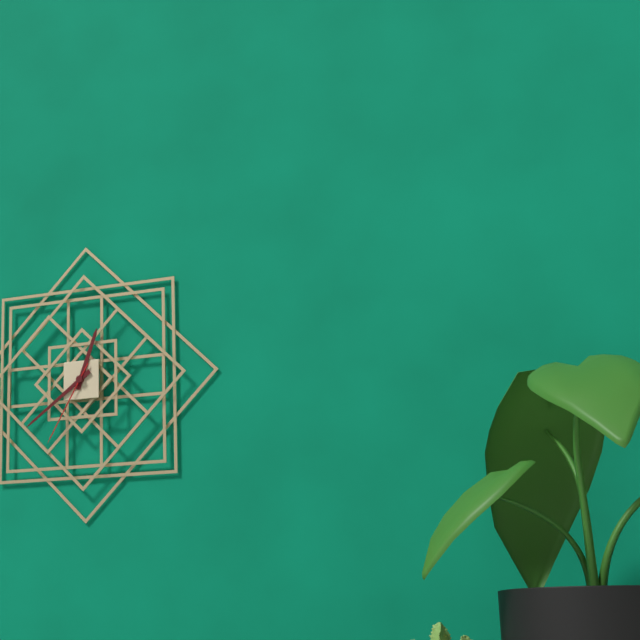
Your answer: 12 h 39 min 35 s
